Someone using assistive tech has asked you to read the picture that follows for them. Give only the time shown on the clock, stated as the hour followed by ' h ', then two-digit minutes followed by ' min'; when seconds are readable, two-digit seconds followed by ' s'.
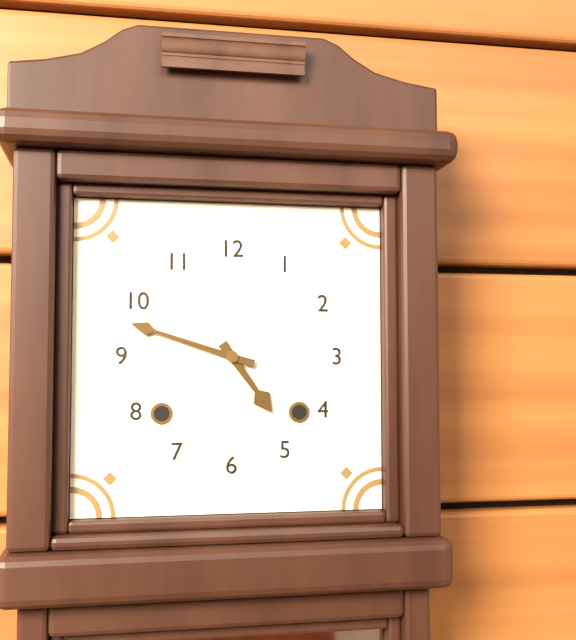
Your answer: 4 h 48 min
